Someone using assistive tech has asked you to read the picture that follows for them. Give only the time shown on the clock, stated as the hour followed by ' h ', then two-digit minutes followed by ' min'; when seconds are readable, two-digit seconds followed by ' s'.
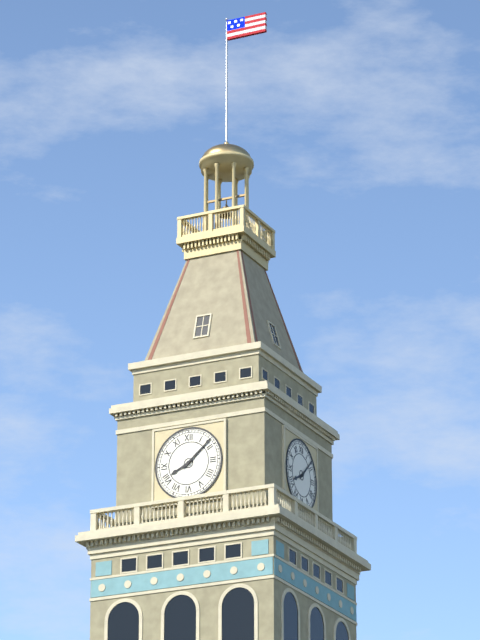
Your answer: 8 h 08 min
